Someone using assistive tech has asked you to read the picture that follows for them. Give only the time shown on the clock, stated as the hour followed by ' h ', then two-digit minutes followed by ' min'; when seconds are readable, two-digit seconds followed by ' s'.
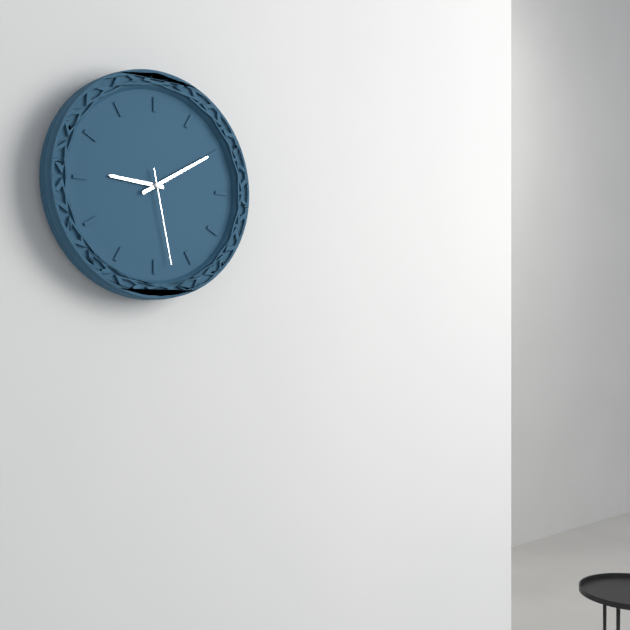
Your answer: 9 h 10 min 28 s
